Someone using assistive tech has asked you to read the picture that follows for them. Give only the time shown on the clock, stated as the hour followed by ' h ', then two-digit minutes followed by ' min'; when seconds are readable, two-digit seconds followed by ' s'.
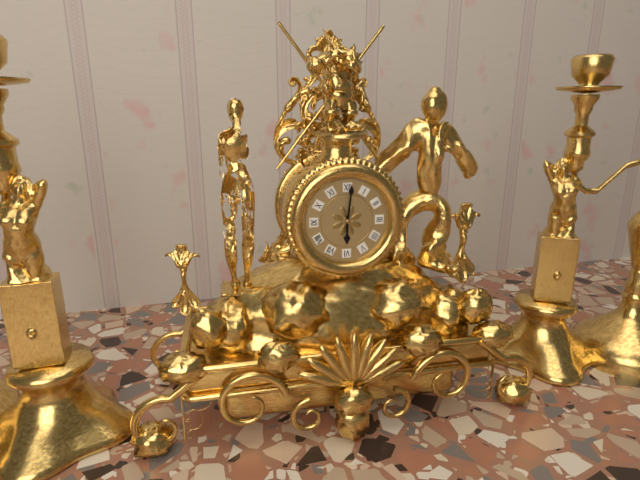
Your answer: 6 h 01 min
